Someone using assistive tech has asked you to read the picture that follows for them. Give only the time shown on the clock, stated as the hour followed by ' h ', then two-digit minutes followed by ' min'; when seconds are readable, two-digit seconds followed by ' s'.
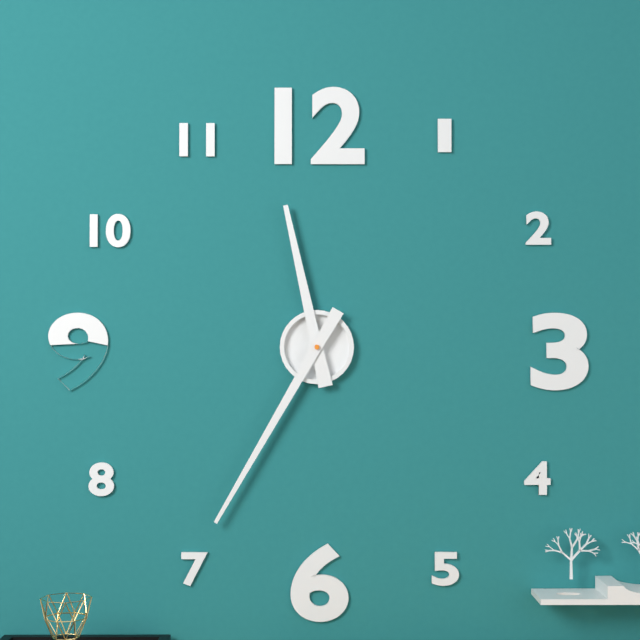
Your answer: 11 h 35 min
